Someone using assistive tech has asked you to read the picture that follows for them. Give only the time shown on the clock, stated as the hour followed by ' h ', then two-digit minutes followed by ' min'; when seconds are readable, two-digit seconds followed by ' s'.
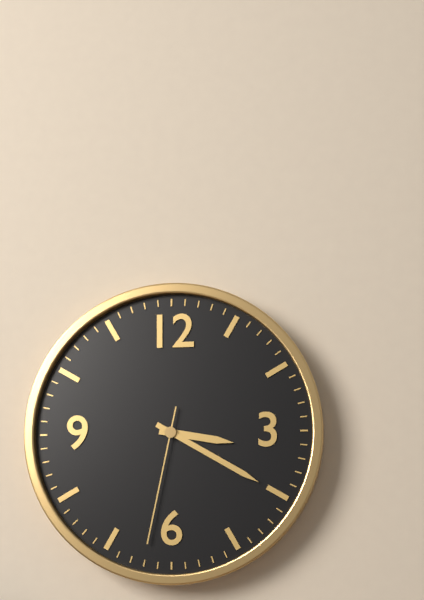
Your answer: 3 h 20 min 32 s
